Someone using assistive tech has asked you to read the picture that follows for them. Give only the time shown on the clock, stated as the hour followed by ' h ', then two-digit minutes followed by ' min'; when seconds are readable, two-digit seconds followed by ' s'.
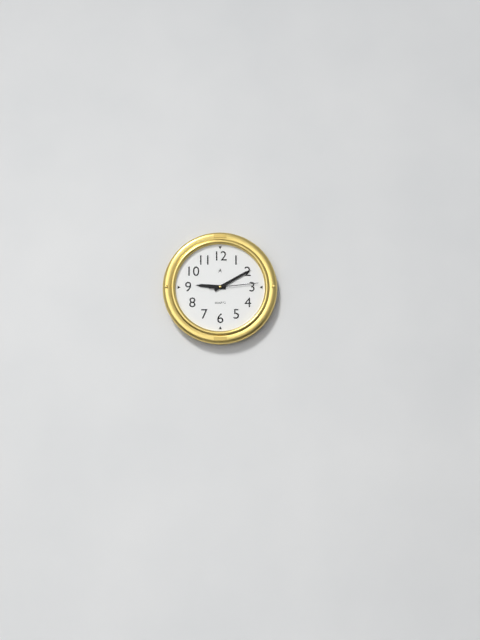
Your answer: 9 h 10 min
